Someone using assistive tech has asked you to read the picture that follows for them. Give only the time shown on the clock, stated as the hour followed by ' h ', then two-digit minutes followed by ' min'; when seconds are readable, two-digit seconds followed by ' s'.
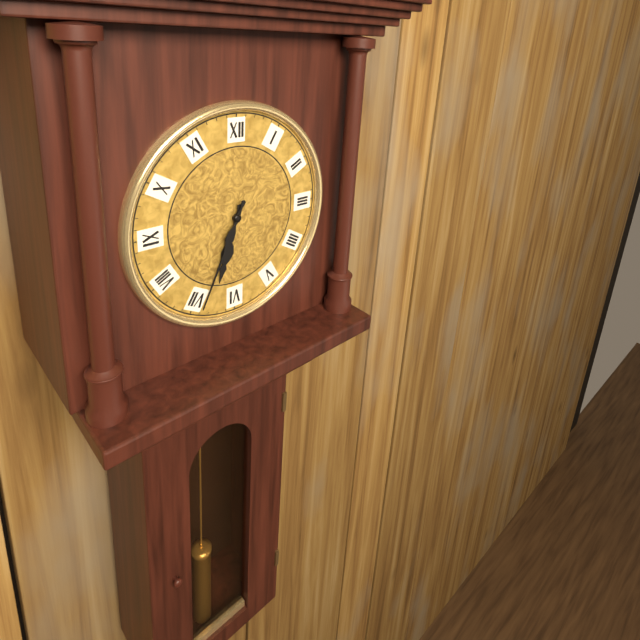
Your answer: 6 h 34 min
